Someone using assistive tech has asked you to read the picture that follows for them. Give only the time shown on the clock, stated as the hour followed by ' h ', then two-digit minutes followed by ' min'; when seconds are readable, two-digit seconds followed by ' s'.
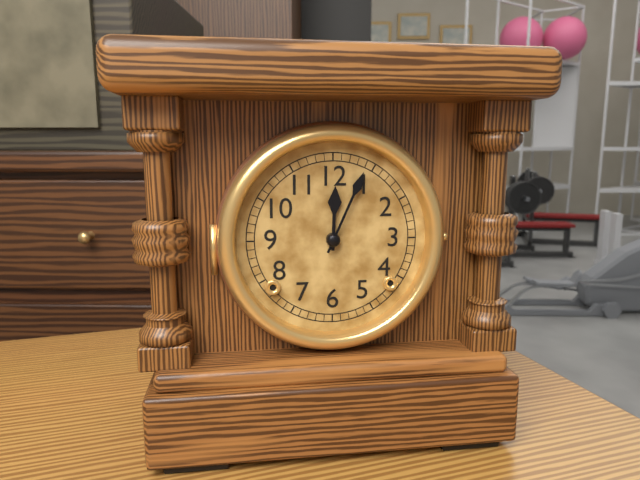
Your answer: 12 h 04 min
